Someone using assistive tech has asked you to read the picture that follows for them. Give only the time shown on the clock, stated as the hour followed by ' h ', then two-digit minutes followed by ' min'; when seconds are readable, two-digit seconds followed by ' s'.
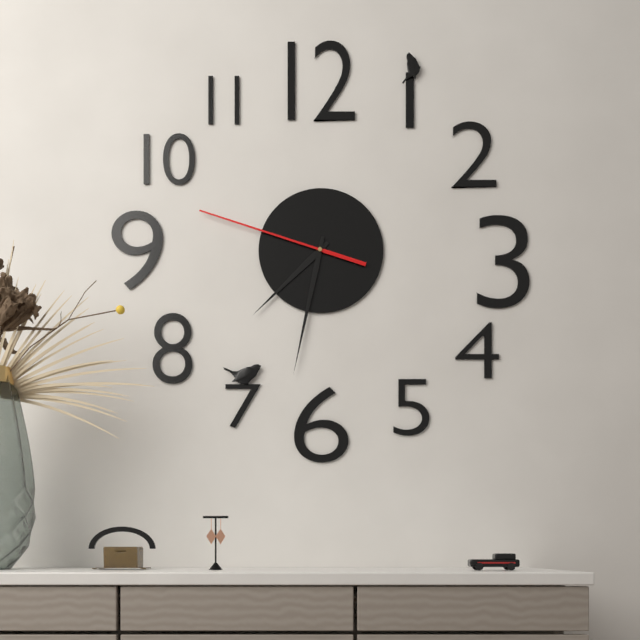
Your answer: 7 h 32 min 48 s
